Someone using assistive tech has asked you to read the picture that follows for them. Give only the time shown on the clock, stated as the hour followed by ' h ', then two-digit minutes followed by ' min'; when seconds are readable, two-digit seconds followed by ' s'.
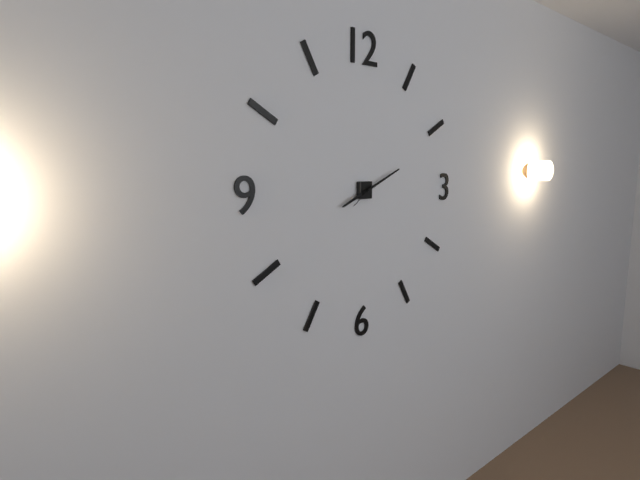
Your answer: 8 h 11 min
